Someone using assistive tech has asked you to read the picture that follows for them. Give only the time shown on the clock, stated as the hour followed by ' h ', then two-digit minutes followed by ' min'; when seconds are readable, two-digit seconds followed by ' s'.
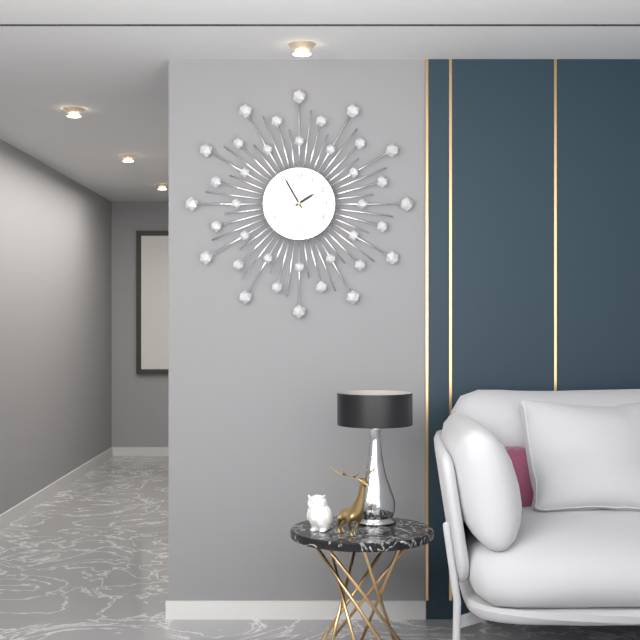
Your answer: 1 h 55 min
